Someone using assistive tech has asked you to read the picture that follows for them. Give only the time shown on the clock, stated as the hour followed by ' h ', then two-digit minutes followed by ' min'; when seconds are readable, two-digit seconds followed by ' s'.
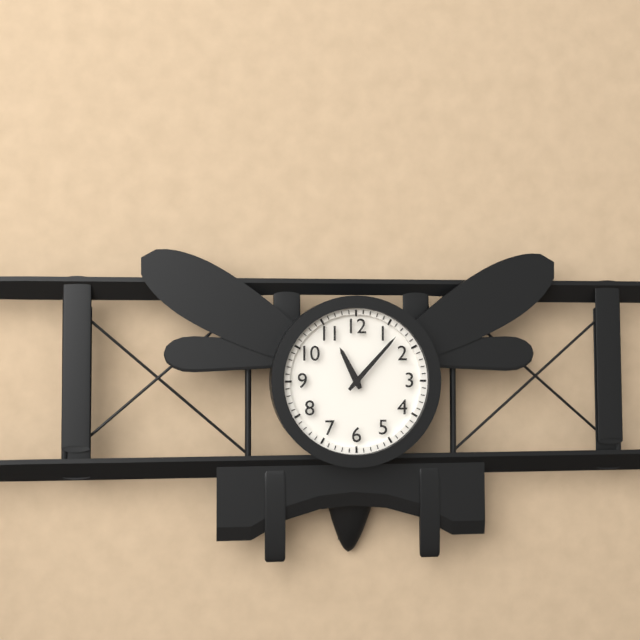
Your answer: 11 h 07 min
